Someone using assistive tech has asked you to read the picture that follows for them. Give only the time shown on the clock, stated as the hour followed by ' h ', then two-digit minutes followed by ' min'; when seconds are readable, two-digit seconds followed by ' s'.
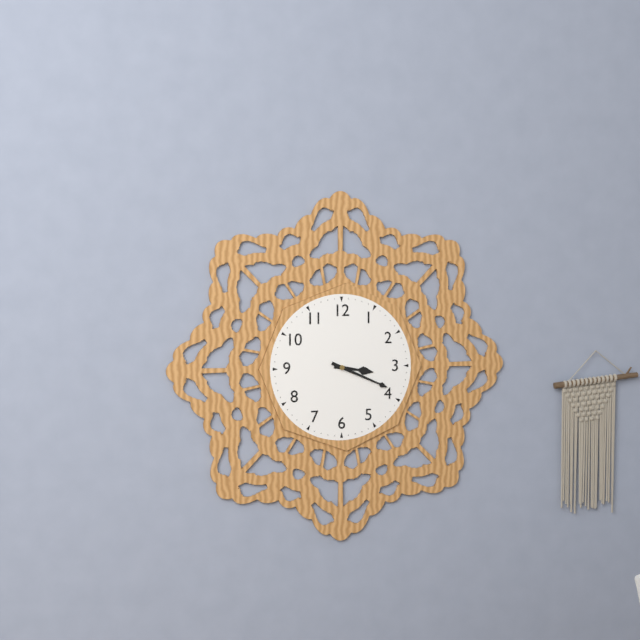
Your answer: 3 h 19 min
